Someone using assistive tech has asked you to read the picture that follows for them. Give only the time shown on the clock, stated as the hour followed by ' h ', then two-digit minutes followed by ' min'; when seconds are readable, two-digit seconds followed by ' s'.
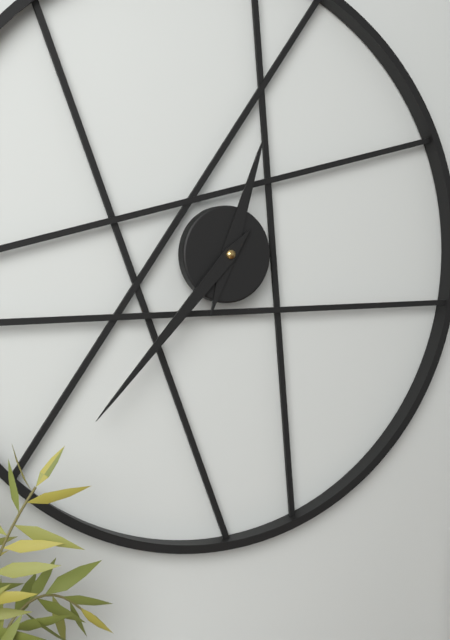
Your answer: 12 h 37 min
